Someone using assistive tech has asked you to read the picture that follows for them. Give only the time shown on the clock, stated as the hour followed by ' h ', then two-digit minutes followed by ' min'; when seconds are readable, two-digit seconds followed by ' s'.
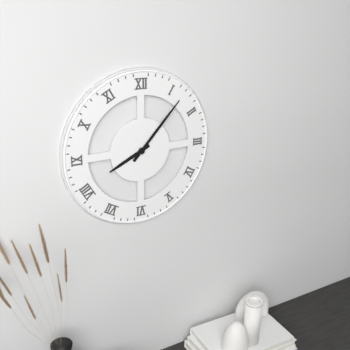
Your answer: 8 h 07 min
